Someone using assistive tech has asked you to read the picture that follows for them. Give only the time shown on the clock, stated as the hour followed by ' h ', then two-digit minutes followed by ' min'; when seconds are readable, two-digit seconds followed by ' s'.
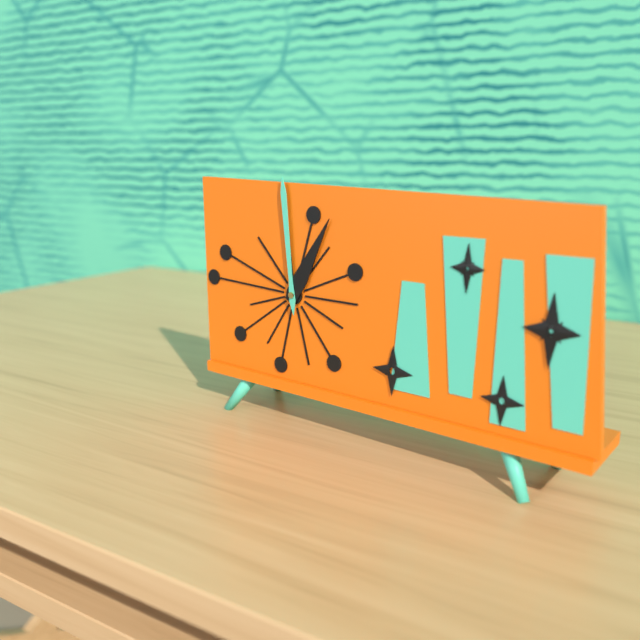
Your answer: 12 h 59 min
